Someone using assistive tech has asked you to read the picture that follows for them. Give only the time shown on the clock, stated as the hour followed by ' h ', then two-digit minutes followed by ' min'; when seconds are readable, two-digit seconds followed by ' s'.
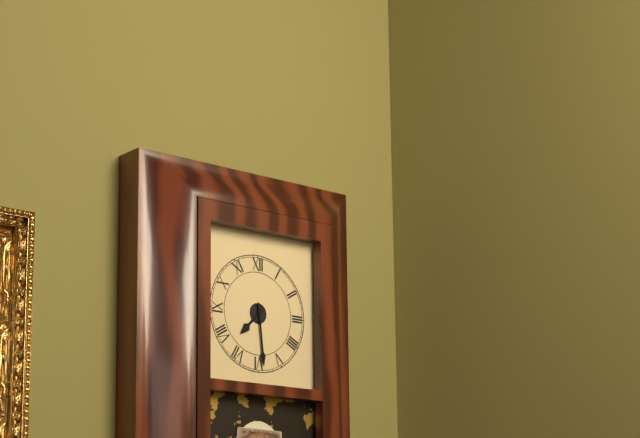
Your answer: 7 h 29 min
